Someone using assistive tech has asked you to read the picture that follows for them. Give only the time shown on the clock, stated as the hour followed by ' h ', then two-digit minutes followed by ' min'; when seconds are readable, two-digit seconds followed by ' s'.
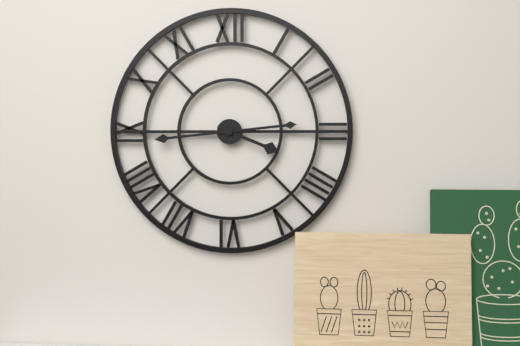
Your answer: 3 h 44 min
